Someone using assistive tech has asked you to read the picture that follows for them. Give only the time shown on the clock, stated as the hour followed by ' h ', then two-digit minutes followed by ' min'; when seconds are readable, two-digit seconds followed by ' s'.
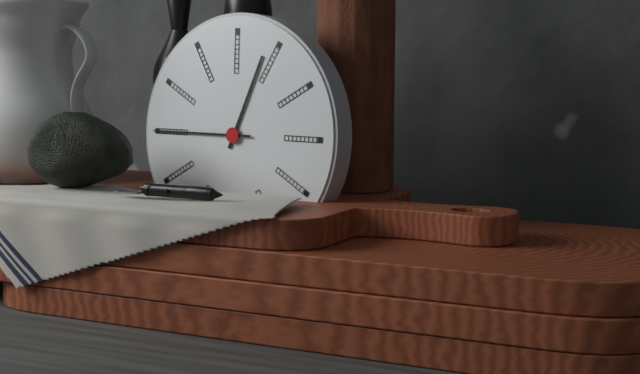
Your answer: 12 h 45 min
